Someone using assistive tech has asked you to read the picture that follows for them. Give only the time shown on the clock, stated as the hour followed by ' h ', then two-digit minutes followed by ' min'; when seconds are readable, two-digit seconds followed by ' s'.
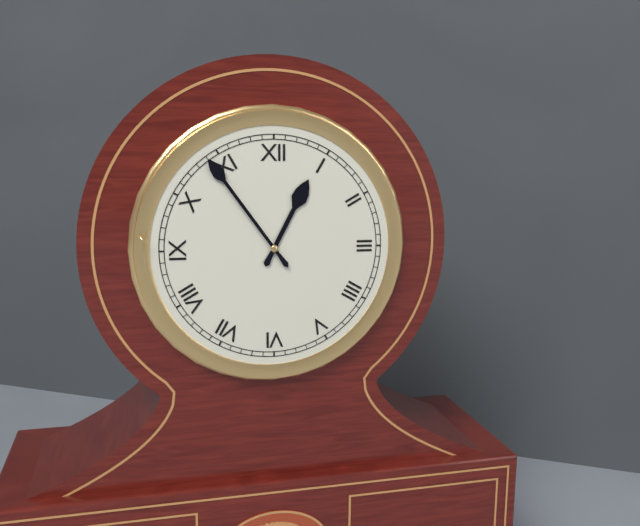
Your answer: 12 h 54 min
